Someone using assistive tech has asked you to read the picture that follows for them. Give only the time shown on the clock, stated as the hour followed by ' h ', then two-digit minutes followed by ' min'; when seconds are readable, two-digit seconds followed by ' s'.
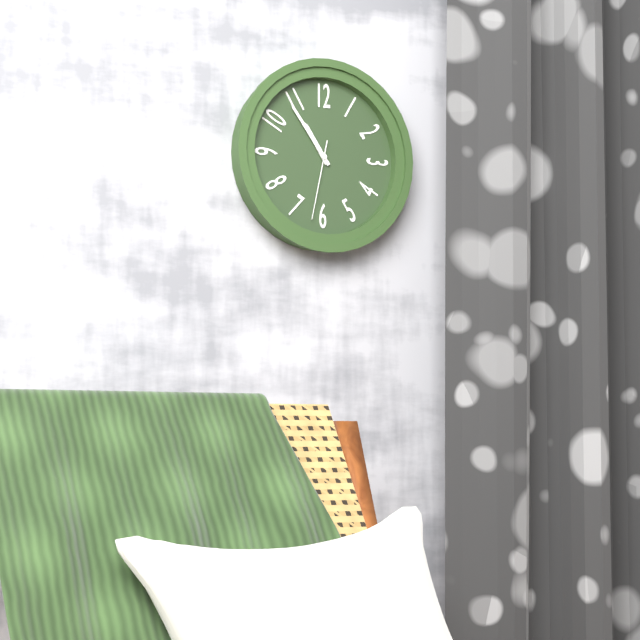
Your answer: 10 h 54 min 32 s
